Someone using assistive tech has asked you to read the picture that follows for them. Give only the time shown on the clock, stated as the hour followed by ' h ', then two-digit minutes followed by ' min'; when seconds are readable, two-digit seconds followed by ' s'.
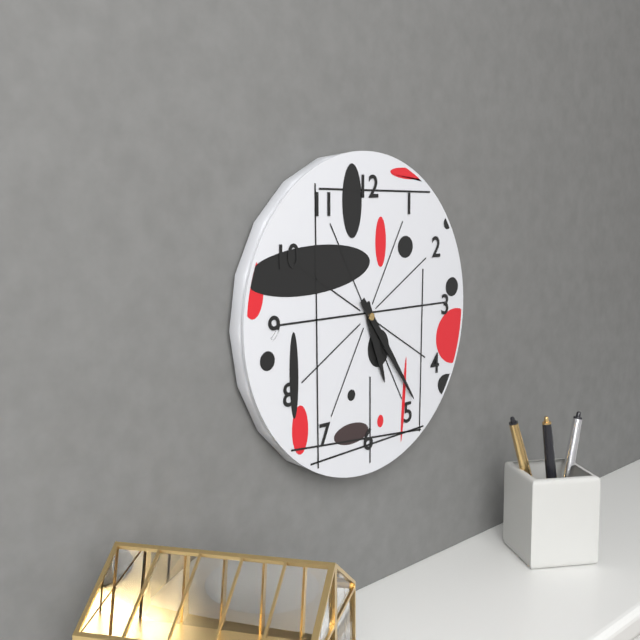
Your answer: 5 h 24 min
